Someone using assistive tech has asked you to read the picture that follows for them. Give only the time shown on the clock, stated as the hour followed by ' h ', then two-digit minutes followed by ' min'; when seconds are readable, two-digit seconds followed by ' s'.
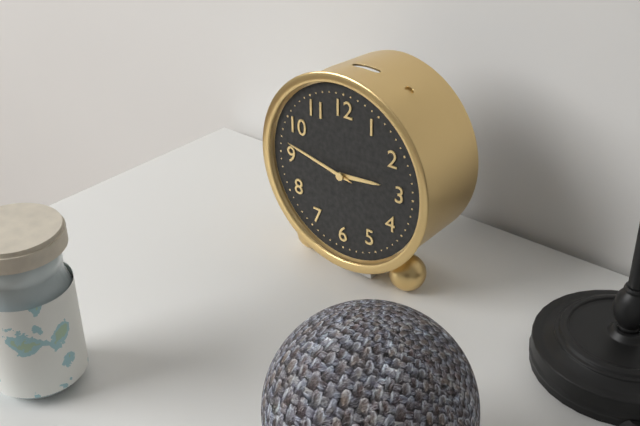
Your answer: 2 h 47 min
